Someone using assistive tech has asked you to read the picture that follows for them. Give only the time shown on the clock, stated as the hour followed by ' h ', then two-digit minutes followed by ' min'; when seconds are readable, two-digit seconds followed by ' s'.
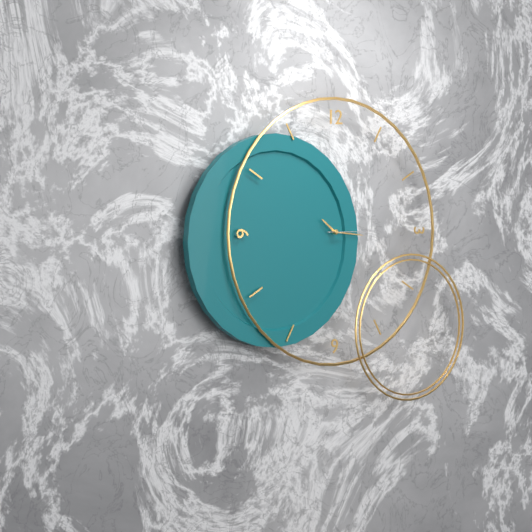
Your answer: 10 h 16 min
